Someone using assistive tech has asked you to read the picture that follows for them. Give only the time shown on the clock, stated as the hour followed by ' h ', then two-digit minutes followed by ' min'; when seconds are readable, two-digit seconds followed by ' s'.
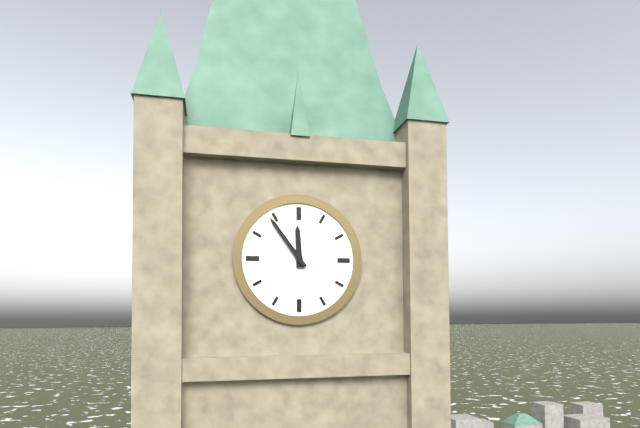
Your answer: 11 h 54 min
